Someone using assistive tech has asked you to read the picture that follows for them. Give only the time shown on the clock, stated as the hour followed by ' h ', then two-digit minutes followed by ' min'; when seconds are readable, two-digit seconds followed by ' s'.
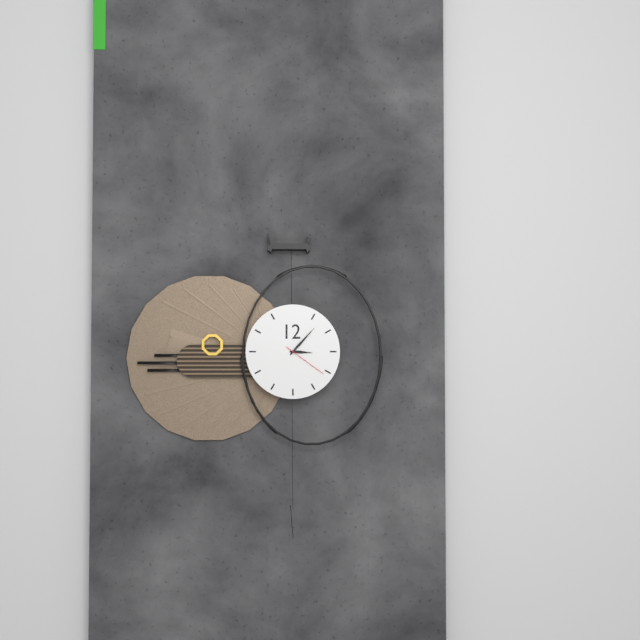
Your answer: 3 h 07 min
